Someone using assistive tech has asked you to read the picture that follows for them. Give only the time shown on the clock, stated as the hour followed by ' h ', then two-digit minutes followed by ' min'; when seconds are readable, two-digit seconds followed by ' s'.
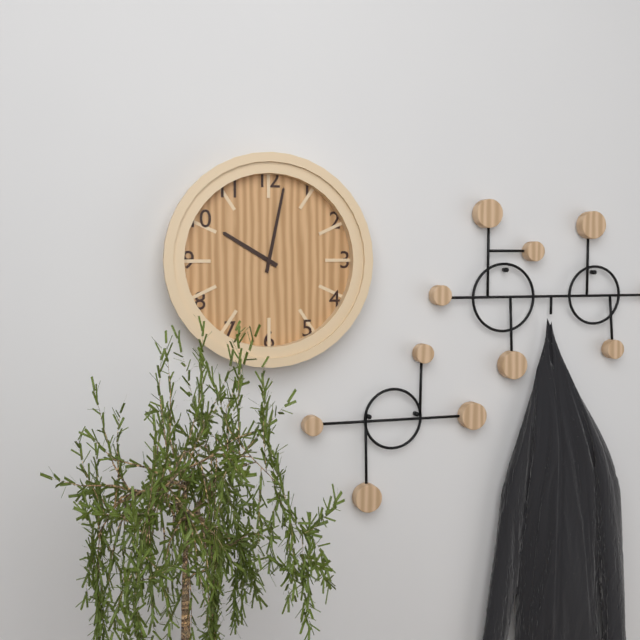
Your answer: 10 h 02 min
